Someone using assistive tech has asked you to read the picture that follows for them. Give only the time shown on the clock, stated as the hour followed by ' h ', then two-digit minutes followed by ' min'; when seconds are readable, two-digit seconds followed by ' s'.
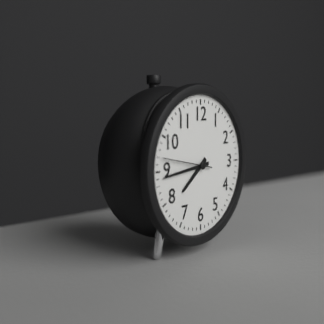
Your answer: 7 h 44 min 47 s
